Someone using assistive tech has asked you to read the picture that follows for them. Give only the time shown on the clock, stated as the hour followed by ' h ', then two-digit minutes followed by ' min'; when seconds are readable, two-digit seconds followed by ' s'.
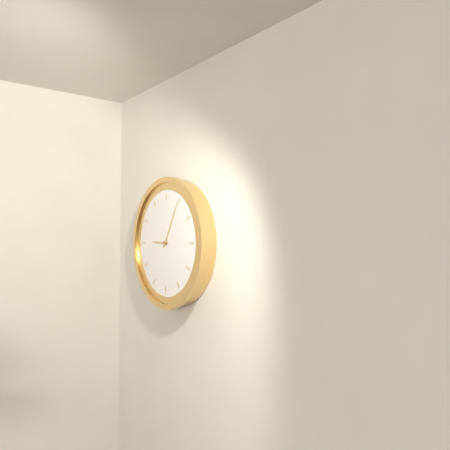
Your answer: 9 h 05 min
